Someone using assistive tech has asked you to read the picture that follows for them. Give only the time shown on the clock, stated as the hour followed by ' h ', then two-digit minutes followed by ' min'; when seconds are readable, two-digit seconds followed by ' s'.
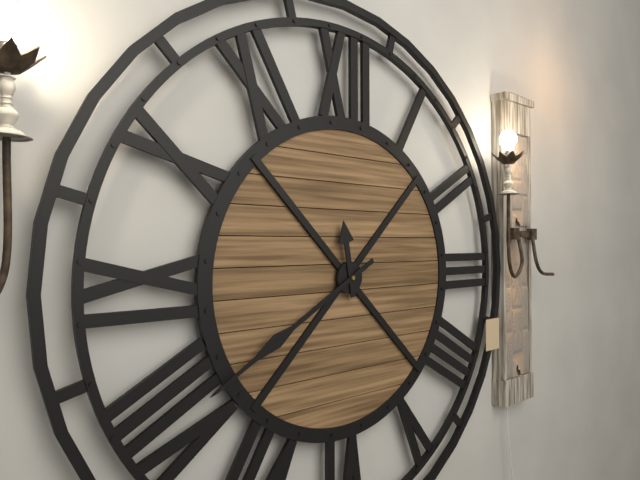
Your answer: 11 h 40 min
